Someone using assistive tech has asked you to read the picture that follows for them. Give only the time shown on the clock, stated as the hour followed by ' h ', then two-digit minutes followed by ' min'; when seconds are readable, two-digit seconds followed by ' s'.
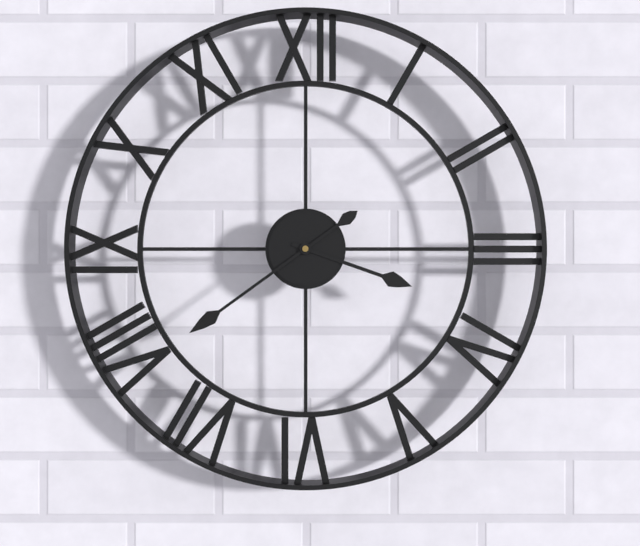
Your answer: 3 h 39 min
